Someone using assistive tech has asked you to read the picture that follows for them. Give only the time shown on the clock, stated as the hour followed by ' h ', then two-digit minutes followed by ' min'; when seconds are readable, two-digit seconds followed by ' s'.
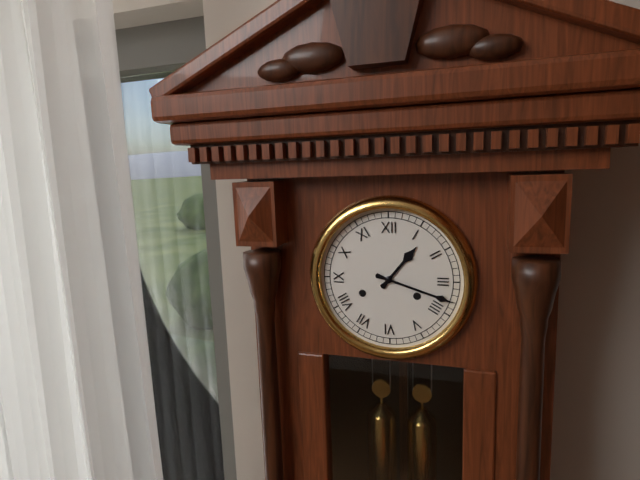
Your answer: 1 h 18 min
